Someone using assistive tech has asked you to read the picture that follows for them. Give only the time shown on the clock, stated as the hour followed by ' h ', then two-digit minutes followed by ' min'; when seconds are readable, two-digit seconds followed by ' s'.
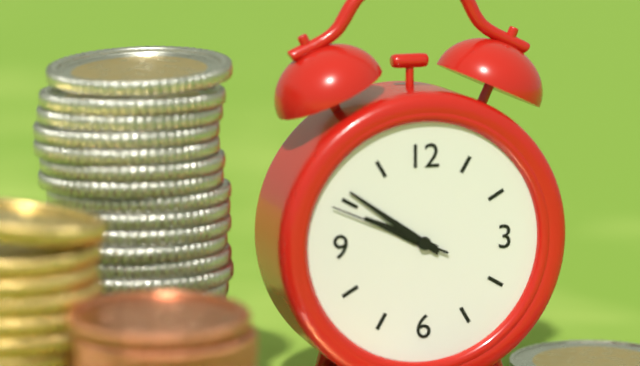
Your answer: 9 h 51 min 49 s
